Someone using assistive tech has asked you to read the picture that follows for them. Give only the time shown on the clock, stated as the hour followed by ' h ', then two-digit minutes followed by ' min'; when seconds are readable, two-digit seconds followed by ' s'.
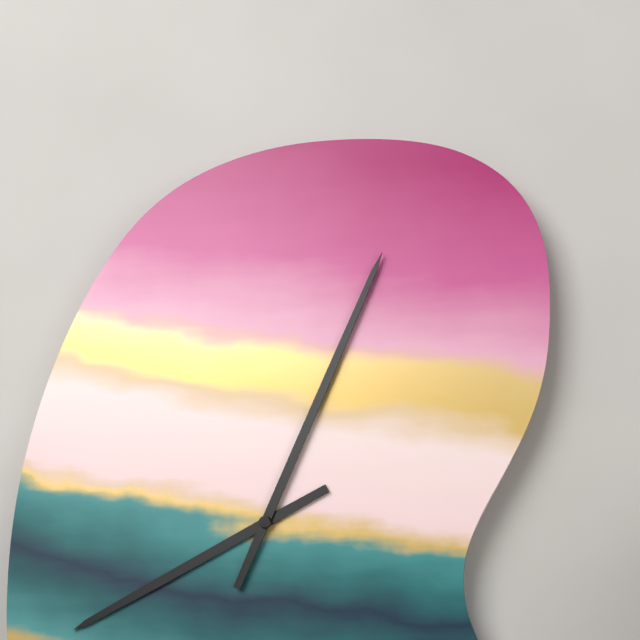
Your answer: 8 h 04 min
